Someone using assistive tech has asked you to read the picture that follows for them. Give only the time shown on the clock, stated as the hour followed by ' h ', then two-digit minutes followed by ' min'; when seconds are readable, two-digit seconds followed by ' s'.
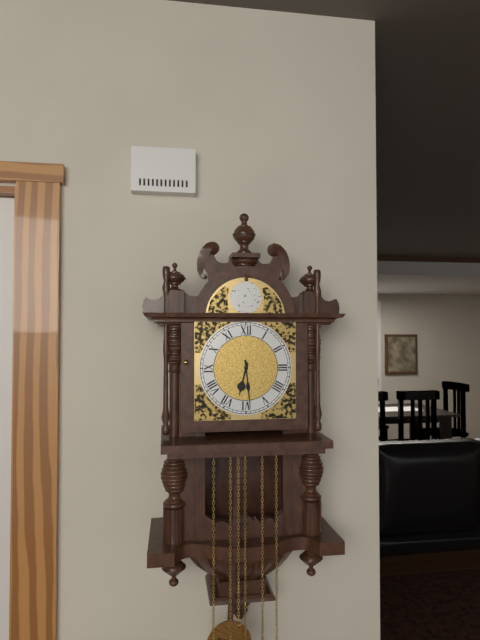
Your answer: 6 h 29 min
